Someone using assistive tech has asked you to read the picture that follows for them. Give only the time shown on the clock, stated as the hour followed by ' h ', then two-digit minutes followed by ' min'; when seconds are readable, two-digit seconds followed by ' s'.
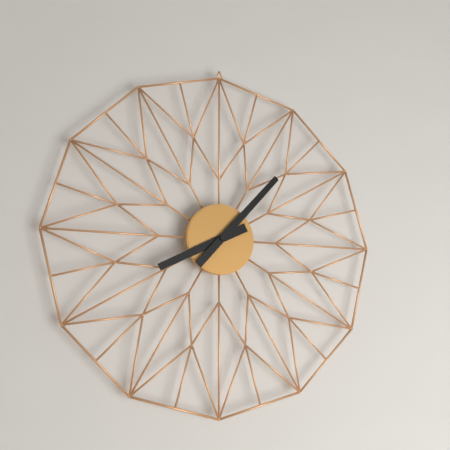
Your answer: 8 h 07 min
